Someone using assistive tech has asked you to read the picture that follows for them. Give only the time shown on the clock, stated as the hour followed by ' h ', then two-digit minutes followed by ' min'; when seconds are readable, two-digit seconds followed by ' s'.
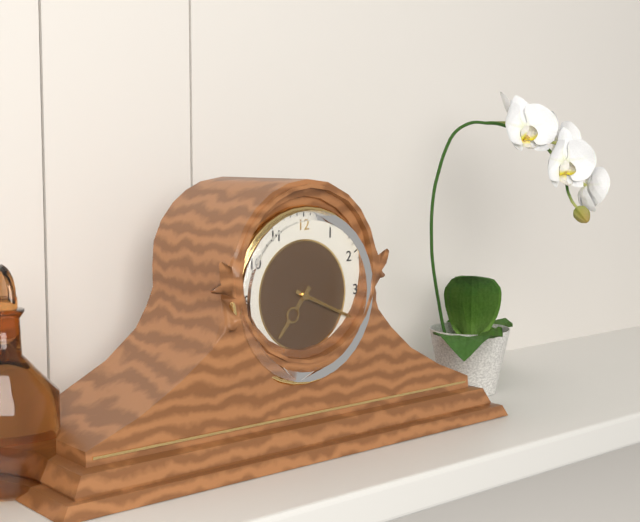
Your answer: 7 h 19 min
